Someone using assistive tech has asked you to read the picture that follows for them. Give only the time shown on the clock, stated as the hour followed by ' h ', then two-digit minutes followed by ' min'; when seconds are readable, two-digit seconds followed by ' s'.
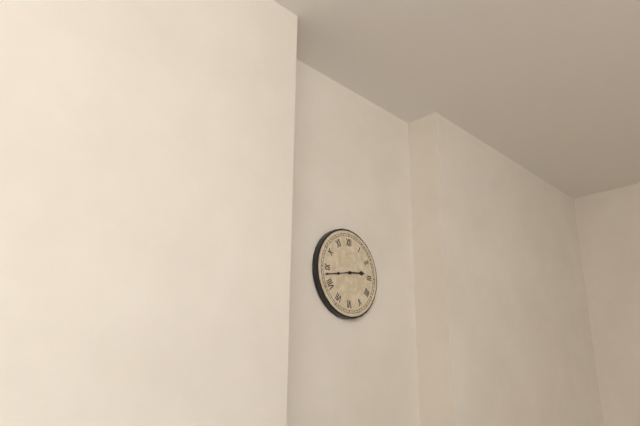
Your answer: 2 h 43 min
